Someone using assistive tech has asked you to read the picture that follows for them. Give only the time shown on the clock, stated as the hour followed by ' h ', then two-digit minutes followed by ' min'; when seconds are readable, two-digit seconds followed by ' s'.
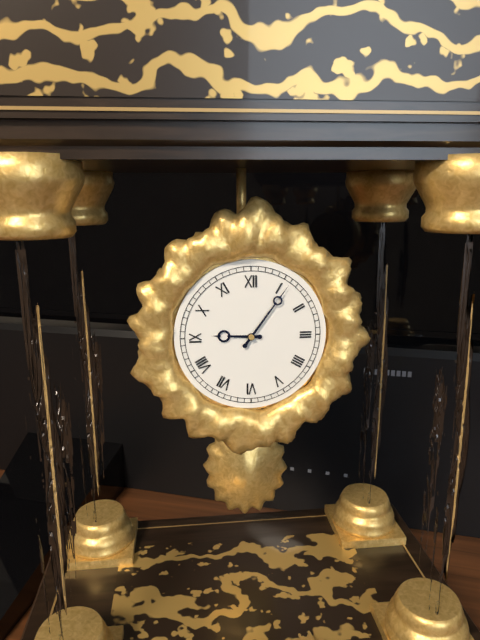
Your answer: 9 h 06 min
